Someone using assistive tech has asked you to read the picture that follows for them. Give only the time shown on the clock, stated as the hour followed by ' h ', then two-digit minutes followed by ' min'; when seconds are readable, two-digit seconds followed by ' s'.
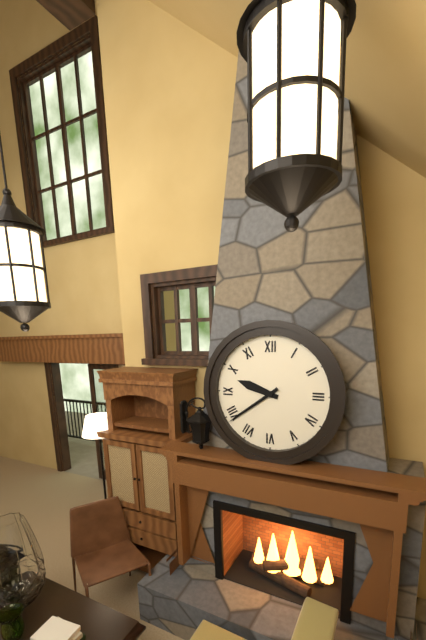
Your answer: 9 h 39 min
